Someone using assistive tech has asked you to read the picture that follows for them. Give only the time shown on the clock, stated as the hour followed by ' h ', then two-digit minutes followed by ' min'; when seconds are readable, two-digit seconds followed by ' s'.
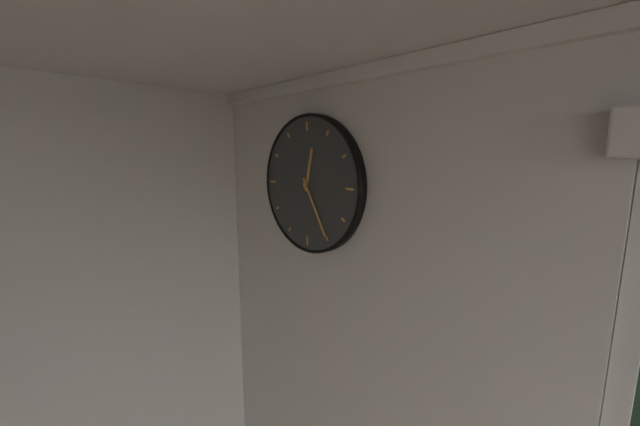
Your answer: 12 h 25 min
